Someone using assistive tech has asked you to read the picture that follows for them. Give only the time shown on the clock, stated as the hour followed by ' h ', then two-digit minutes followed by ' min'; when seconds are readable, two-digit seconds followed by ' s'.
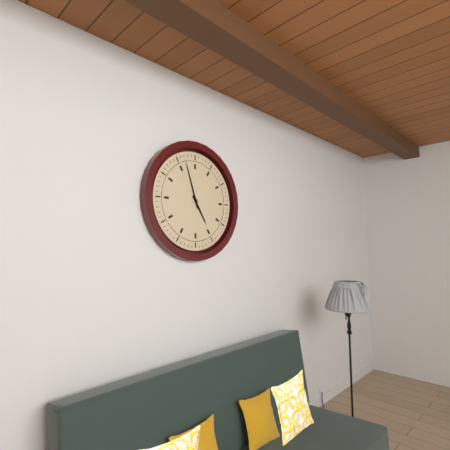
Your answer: 4 h 57 min
